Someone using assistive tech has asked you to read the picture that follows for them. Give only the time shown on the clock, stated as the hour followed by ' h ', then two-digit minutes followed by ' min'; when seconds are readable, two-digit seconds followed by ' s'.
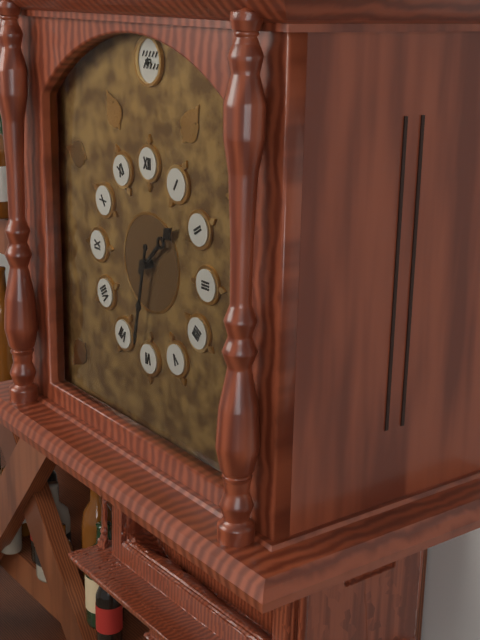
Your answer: 1 h 32 min
